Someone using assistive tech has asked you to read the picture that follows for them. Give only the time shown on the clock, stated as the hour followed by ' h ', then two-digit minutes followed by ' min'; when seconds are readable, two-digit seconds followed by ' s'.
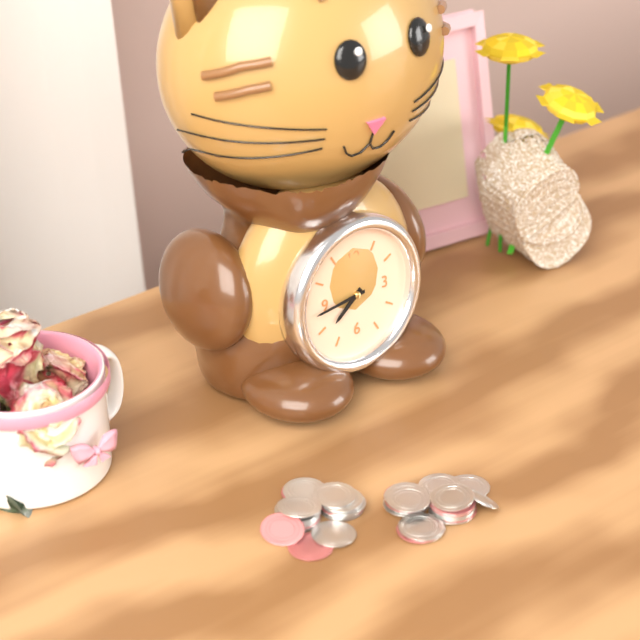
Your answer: 7 h 44 min
